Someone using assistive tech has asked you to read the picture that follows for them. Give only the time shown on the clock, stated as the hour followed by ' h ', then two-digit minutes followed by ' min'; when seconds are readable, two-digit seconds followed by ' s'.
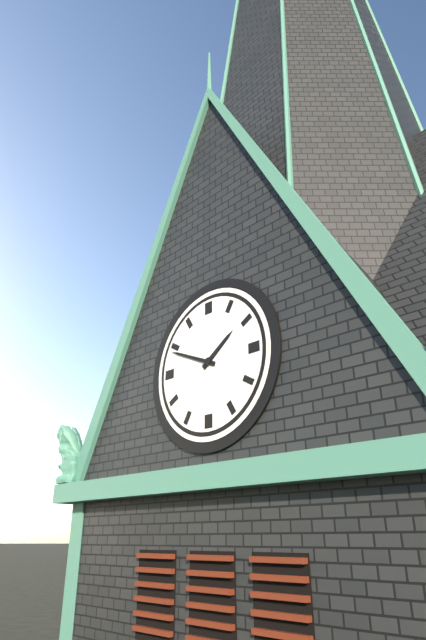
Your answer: 1 h 49 min
